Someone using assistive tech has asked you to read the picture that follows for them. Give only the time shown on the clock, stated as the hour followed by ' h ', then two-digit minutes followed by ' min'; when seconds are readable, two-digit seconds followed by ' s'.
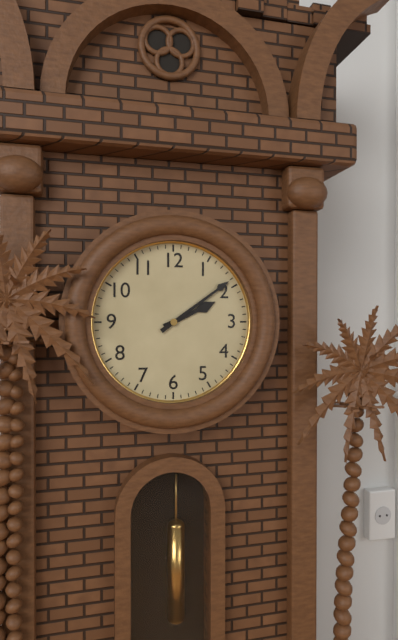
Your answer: 2 h 09 min
